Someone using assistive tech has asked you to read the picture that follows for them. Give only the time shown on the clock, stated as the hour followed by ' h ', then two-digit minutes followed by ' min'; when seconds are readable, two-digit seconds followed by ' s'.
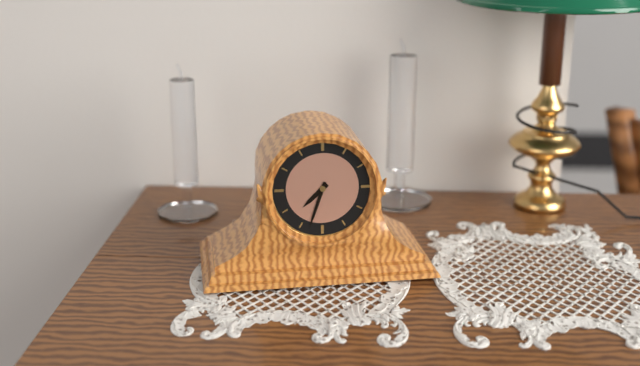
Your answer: 7 h 33 min
